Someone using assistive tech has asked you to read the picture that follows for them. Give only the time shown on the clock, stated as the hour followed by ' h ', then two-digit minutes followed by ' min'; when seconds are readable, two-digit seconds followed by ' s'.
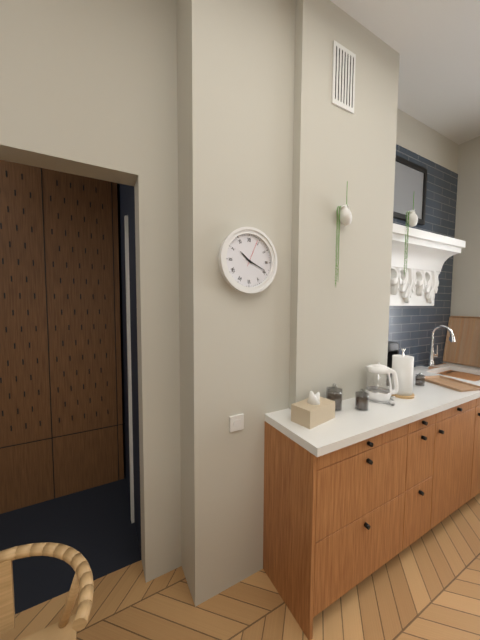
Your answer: 10 h 19 min
